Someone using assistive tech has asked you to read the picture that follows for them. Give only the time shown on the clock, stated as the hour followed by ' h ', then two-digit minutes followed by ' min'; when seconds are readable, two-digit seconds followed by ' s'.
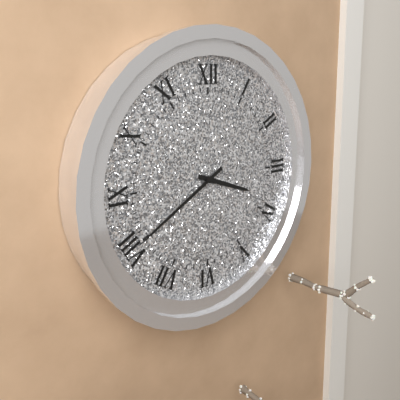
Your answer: 3 h 40 min
